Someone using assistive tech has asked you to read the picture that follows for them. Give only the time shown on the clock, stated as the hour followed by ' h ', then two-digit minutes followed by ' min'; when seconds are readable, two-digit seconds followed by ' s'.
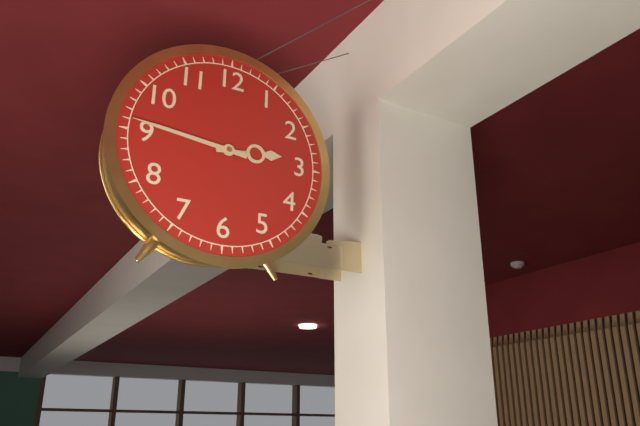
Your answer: 2 h 46 min
